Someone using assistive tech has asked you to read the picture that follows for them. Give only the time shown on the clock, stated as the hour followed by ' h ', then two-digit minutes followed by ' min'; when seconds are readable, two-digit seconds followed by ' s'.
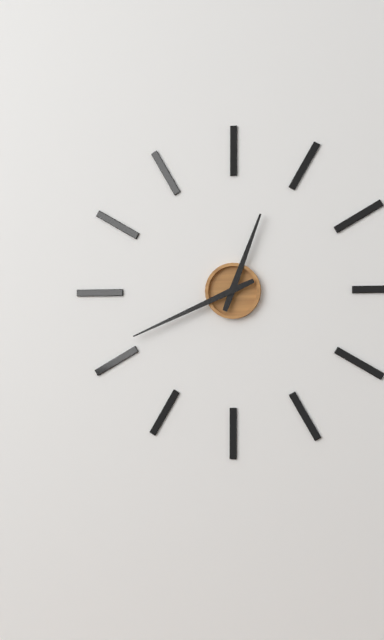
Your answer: 12 h 41 min
